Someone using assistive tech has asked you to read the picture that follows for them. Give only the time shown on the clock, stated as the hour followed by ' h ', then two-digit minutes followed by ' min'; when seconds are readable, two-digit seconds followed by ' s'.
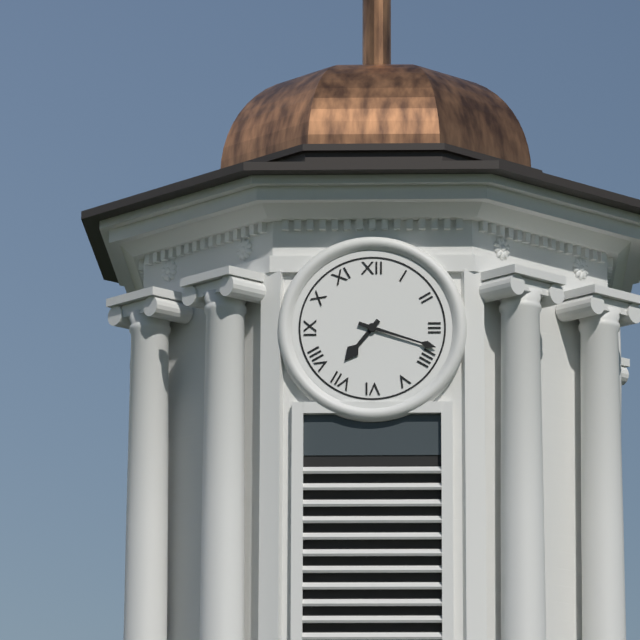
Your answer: 7 h 18 min
